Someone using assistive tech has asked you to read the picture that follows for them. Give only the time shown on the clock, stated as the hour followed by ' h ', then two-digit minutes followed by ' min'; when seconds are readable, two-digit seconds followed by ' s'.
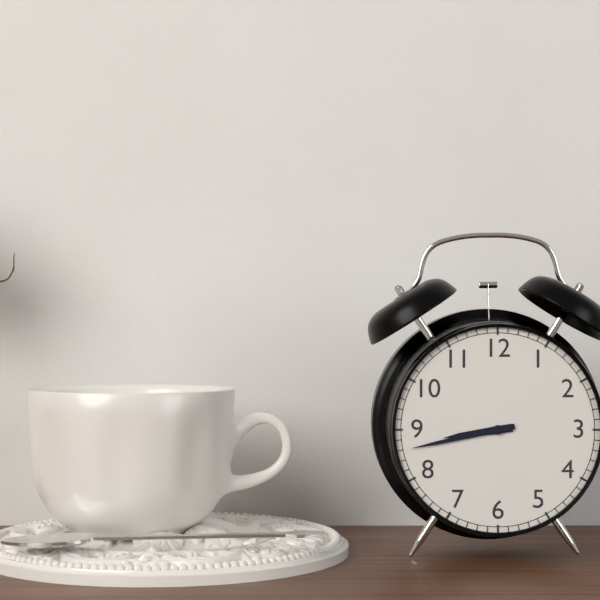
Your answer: 8 h 43 min
